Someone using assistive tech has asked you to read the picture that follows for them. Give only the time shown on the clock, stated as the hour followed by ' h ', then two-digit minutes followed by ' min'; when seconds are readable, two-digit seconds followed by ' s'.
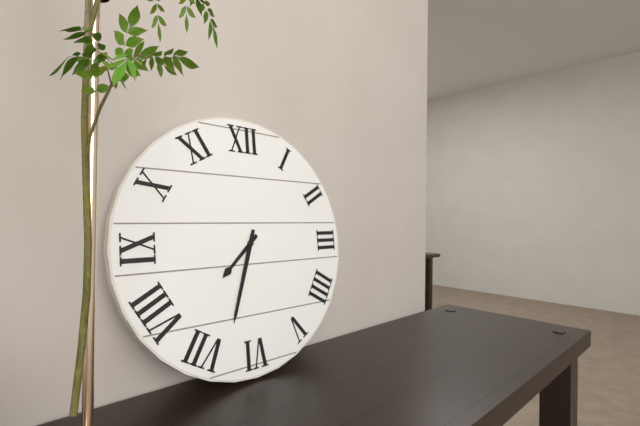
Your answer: 7 h 33 min
